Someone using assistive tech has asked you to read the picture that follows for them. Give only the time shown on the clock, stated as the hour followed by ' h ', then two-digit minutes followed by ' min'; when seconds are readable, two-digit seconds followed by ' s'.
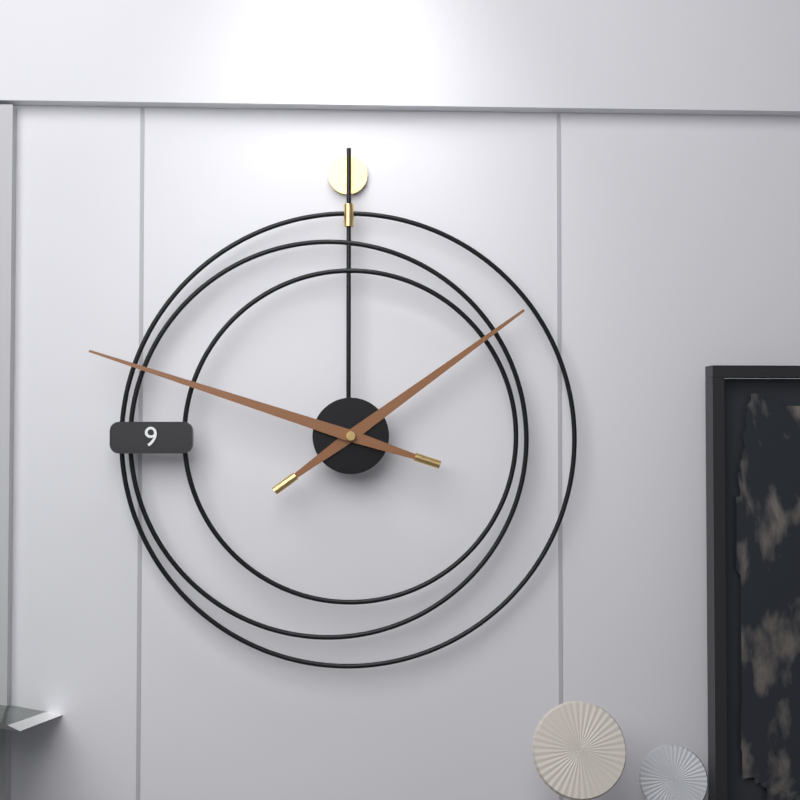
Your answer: 1 h 48 min
